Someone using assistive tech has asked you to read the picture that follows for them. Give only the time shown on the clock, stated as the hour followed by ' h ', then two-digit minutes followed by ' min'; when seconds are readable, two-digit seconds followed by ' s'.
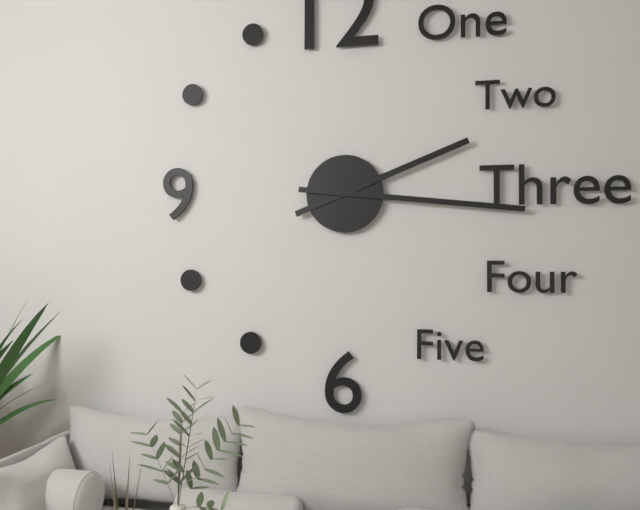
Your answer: 2 h 16 min
